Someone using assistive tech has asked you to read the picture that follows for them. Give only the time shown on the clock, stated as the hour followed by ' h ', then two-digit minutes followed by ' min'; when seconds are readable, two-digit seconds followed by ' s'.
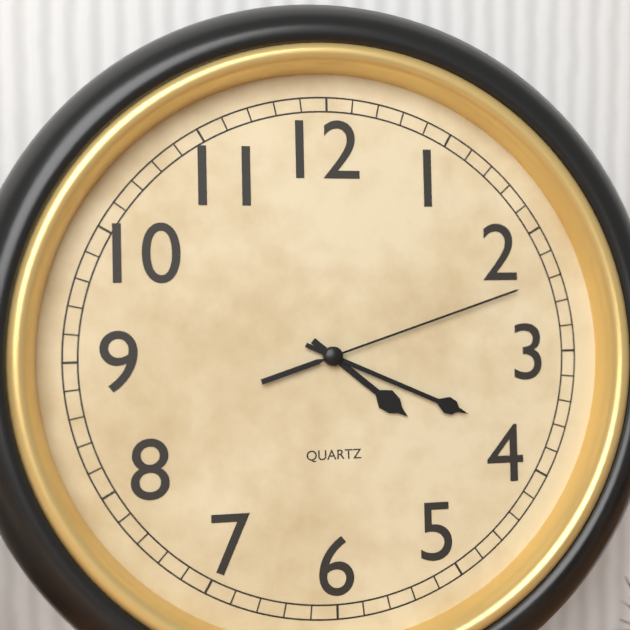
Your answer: 4 h 19 min 12 s
